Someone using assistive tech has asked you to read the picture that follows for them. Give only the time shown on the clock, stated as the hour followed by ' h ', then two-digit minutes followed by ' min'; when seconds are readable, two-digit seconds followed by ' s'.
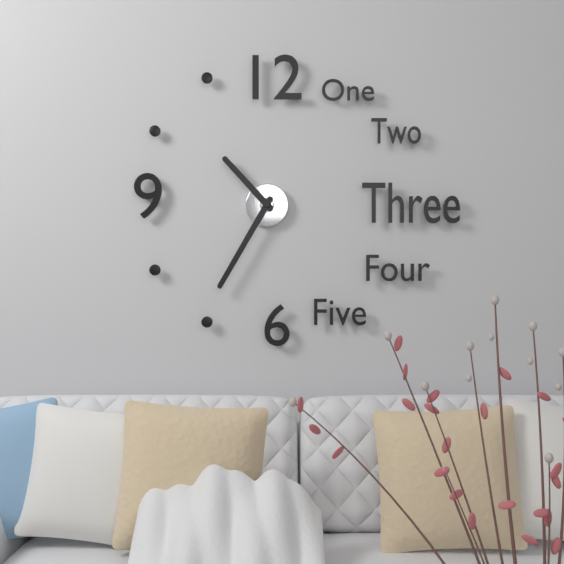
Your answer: 10 h 35 min
